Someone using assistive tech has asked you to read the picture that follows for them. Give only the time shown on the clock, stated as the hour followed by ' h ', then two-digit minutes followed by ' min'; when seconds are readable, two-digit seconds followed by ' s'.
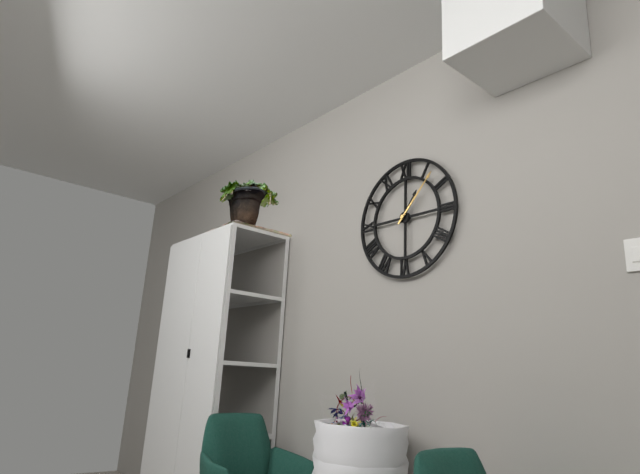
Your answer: 1 h 07 min
